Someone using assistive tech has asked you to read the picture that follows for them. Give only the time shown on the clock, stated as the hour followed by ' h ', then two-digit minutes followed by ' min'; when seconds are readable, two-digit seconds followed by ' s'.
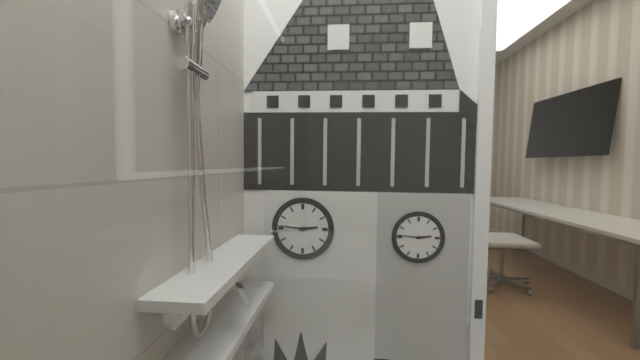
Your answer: 2 h 46 min
